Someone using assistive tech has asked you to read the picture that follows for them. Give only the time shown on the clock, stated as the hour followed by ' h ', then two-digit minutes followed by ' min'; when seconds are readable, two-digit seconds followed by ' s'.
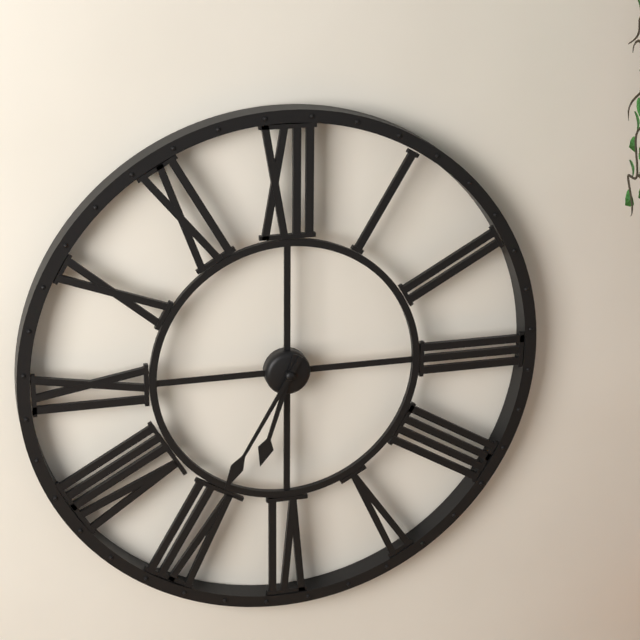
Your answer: 6 h 35 min
